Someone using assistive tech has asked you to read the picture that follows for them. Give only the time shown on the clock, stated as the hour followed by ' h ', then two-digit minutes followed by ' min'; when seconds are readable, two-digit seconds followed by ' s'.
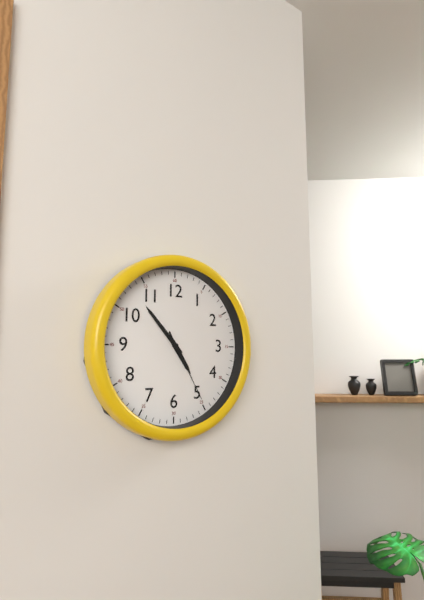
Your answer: 4 h 53 min 25 s
